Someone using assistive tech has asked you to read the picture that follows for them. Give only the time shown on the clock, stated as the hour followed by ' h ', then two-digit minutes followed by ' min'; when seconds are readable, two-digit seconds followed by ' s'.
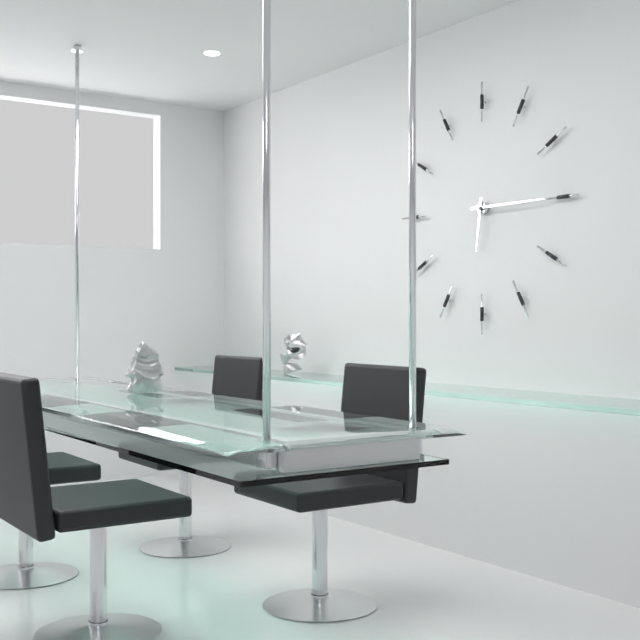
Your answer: 6 h 15 min
